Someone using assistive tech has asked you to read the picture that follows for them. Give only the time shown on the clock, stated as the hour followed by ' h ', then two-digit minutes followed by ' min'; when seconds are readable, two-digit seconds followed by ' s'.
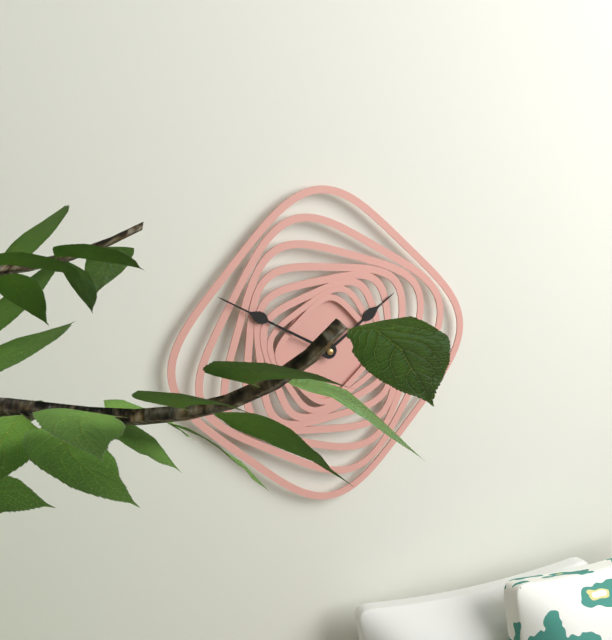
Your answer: 1 h 50 min
